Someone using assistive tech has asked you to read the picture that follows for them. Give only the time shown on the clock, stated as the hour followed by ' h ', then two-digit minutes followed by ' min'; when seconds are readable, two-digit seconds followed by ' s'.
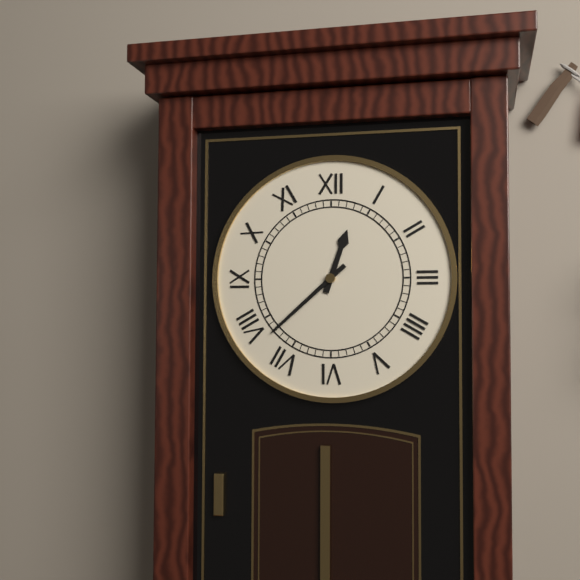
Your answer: 12 h 38 min
